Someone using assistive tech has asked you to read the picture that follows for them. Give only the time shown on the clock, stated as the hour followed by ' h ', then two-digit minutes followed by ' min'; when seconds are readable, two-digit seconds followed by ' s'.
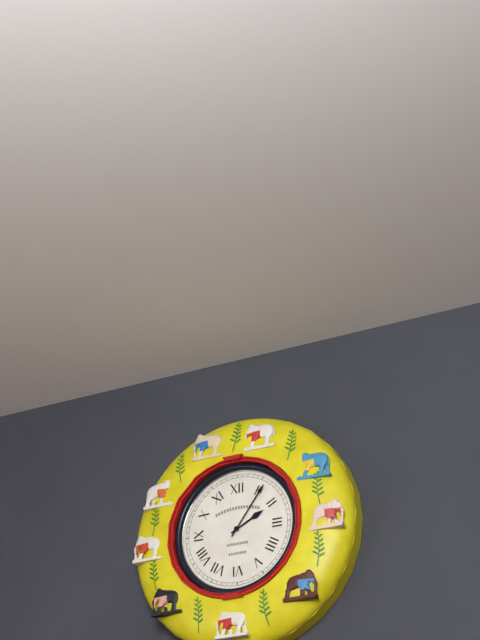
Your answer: 2 h 06 min
